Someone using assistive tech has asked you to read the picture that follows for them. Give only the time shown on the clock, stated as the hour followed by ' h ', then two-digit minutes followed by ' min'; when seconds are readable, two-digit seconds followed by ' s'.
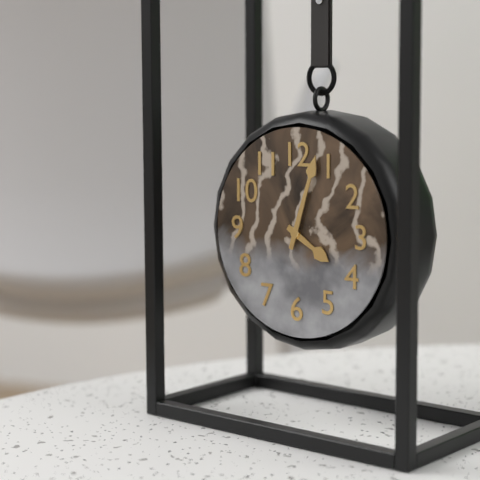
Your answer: 4 h 03 min
